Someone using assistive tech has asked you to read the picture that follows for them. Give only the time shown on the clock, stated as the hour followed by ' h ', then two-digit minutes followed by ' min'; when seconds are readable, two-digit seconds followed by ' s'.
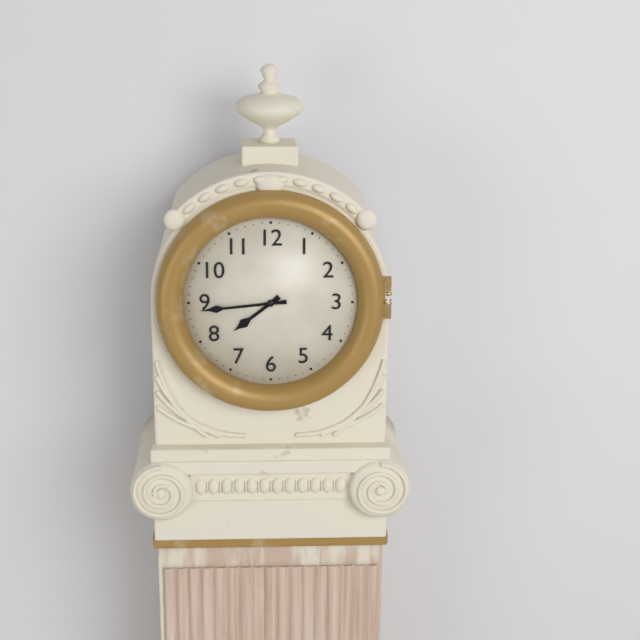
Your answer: 7 h 44 min
